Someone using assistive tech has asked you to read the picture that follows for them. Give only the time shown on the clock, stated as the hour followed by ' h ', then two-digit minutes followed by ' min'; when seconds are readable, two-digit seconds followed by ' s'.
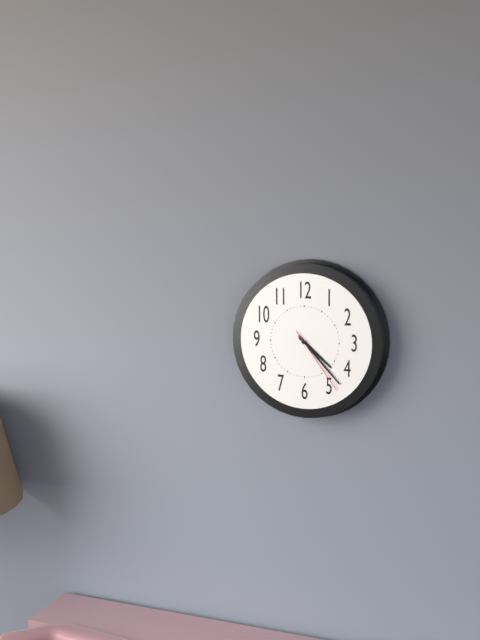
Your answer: 4 h 23 min 24 s
